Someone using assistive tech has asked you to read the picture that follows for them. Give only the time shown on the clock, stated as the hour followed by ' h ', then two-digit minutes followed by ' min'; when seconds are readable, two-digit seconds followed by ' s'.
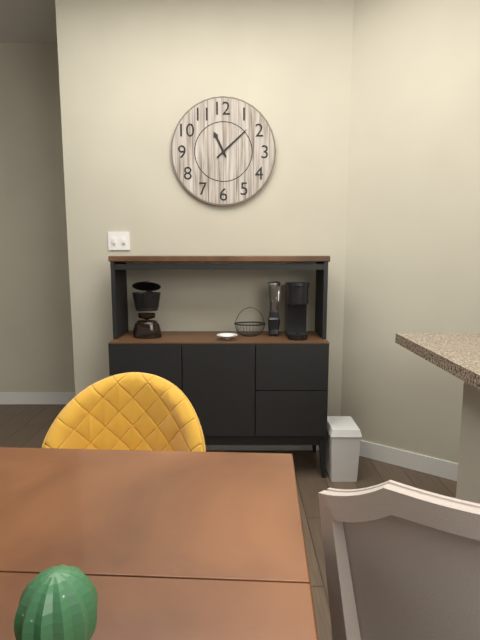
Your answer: 11 h 08 min
